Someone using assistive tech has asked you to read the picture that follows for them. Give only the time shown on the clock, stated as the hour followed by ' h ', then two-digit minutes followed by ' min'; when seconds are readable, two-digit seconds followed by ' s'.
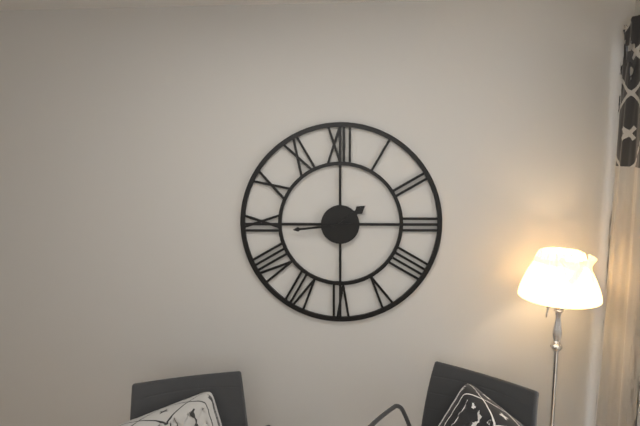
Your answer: 1 h 44 min
